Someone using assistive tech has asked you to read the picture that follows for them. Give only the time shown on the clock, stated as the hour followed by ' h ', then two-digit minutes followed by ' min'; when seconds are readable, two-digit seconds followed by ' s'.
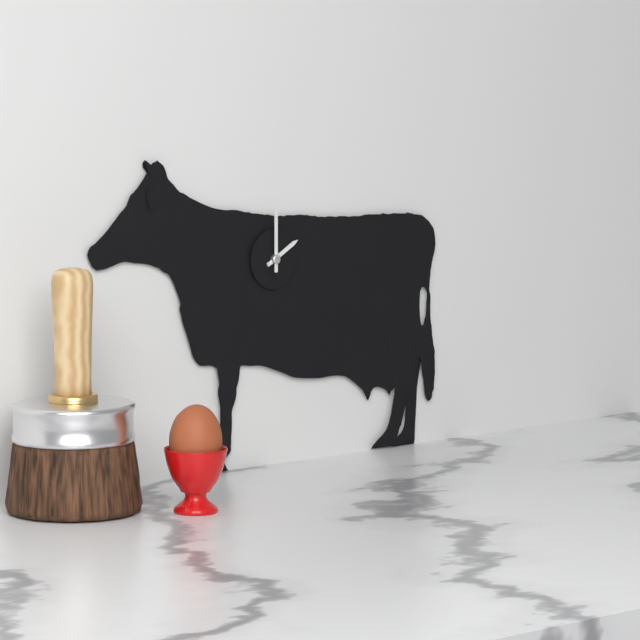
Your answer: 2 h 00 min
